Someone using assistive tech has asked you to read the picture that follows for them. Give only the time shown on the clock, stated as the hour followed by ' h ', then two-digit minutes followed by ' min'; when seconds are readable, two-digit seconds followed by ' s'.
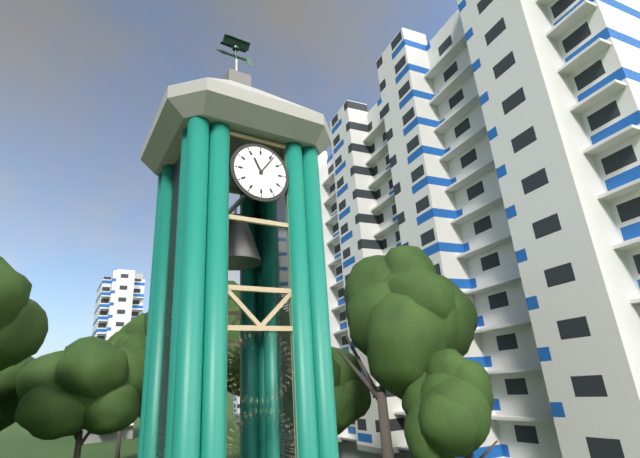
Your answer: 11 h 06 min
